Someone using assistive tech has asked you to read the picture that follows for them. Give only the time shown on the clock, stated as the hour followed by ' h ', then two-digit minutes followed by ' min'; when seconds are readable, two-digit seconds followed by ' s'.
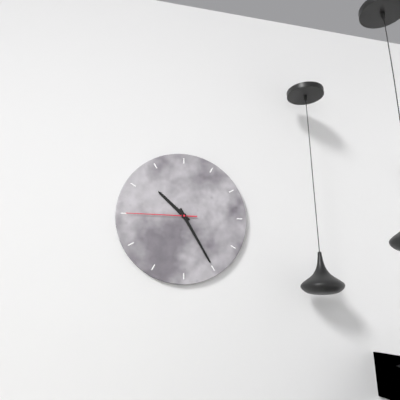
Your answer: 10 h 25 min 45 s
